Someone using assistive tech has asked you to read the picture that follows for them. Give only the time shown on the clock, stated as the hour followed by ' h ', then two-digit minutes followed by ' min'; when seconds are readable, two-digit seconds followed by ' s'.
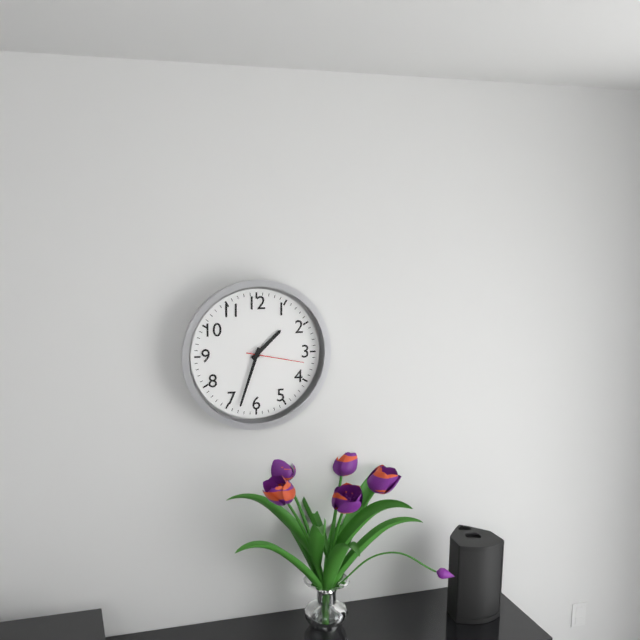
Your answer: 1 h 33 min 17 s
